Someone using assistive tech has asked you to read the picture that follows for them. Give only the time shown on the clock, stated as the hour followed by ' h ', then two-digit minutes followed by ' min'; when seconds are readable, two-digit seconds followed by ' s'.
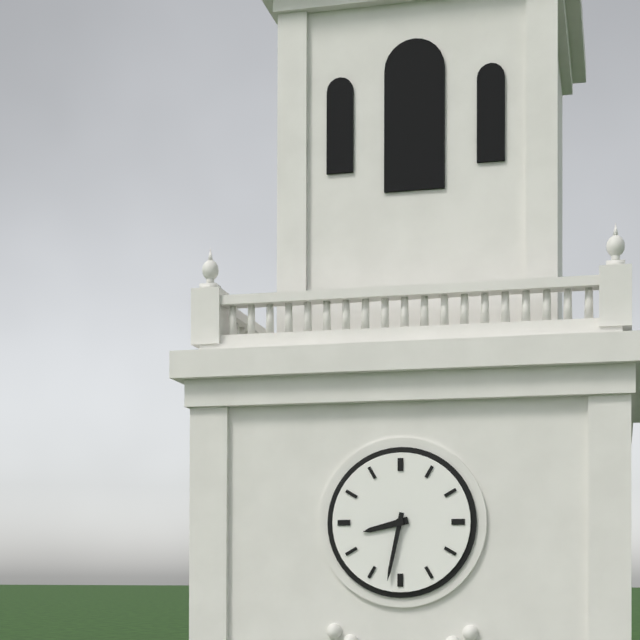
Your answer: 8 h 32 min
